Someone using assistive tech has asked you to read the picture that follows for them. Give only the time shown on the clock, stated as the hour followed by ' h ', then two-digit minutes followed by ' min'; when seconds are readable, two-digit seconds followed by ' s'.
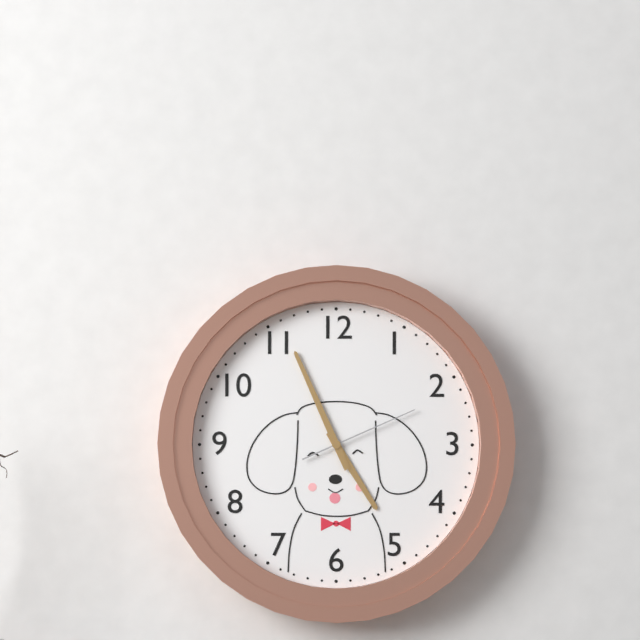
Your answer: 4 h 56 min 11 s
